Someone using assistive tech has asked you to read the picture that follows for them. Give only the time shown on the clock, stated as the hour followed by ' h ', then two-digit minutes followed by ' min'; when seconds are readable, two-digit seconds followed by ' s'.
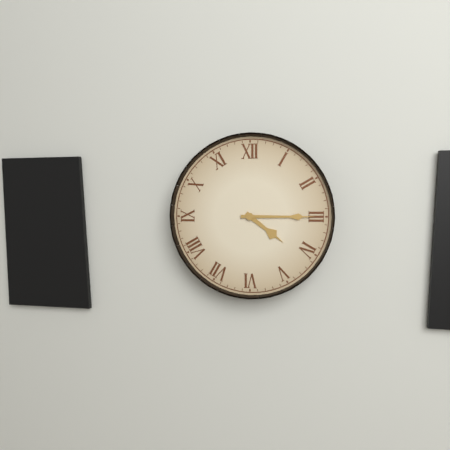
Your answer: 4 h 15 min
